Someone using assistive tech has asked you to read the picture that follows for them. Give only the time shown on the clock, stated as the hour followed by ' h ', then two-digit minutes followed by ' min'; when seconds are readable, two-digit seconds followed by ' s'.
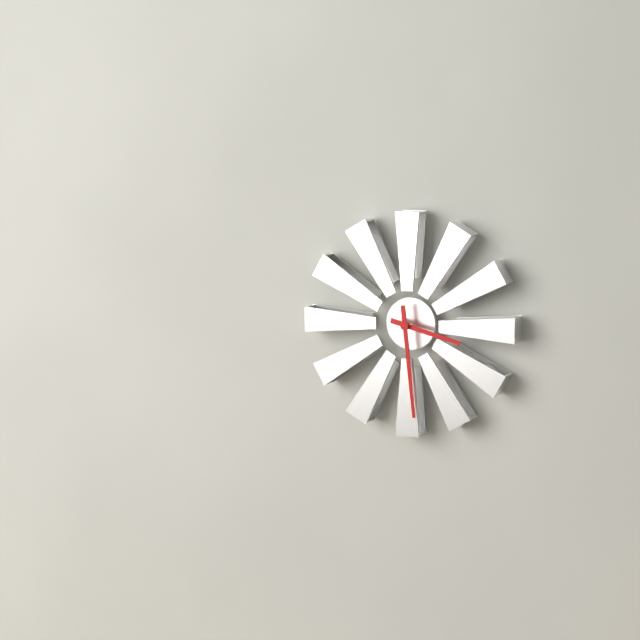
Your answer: 3 h 29 min
